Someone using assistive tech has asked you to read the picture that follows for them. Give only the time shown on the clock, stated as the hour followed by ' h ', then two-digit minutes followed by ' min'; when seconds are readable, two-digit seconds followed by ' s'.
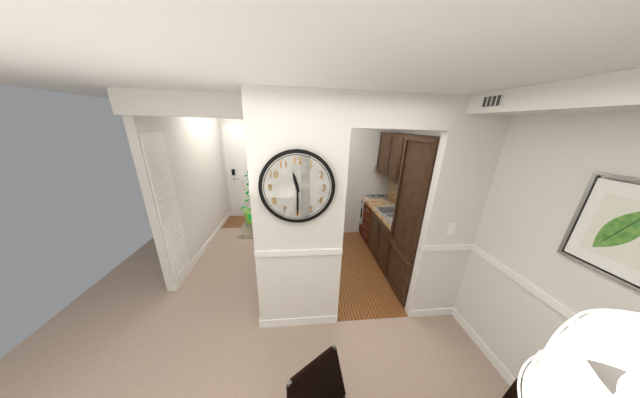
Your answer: 11 h 30 min
